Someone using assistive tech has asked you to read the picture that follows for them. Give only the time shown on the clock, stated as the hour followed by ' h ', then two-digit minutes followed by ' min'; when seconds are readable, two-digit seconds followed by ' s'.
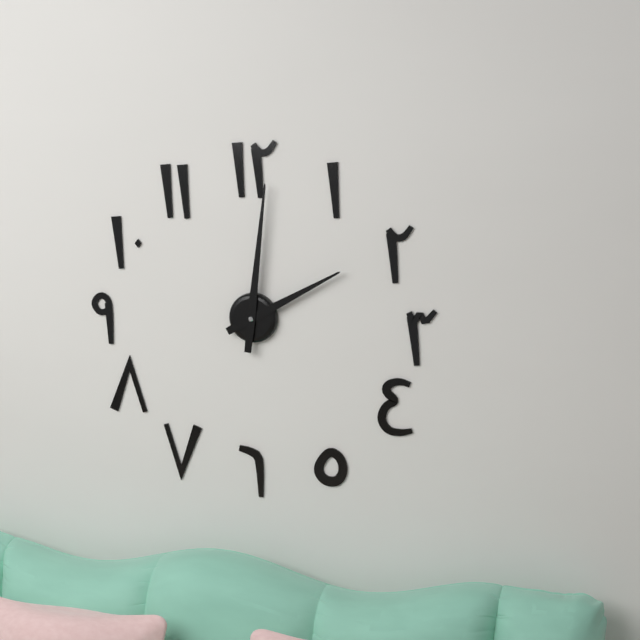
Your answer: 2 h 01 min
